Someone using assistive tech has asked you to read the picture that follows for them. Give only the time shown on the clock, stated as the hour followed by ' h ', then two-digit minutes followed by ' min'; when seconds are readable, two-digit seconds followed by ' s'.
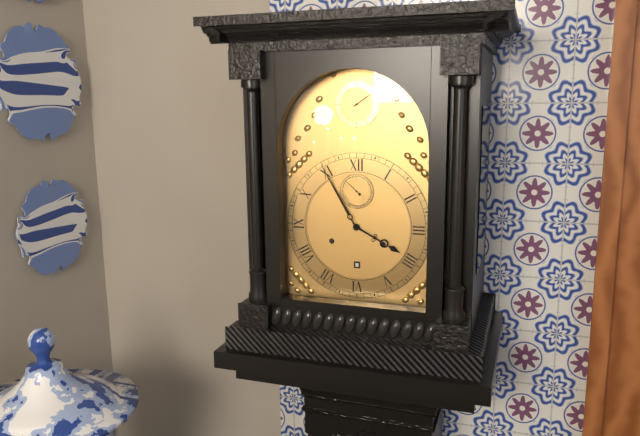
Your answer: 3 h 55 min
